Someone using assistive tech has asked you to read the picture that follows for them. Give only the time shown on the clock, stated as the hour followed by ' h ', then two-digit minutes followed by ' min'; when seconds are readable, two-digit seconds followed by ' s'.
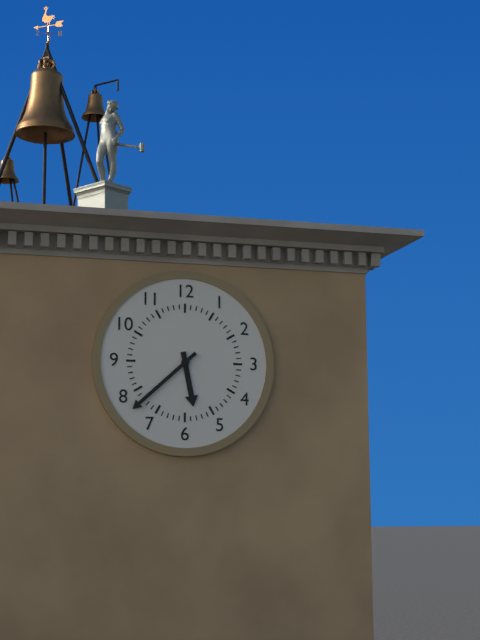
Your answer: 5 h 38 min
